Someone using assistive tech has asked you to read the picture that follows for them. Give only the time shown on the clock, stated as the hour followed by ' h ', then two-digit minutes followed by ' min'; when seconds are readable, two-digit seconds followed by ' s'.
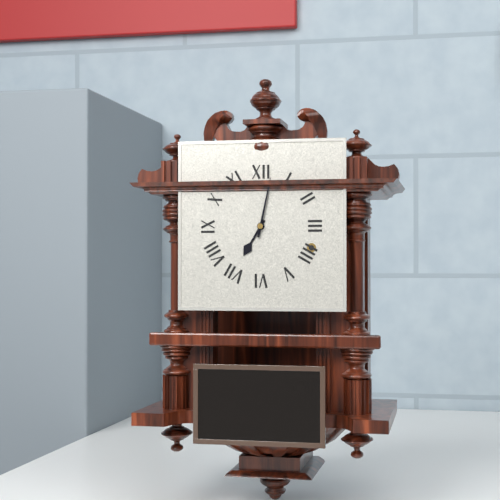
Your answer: 7 h 02 min
